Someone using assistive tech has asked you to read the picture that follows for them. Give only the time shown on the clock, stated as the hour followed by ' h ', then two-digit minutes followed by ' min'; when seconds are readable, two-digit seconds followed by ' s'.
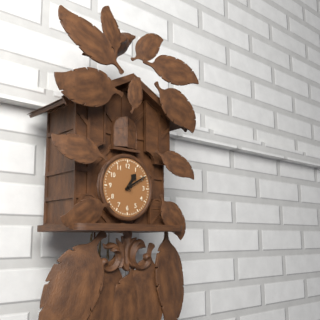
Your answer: 1 h 10 min
